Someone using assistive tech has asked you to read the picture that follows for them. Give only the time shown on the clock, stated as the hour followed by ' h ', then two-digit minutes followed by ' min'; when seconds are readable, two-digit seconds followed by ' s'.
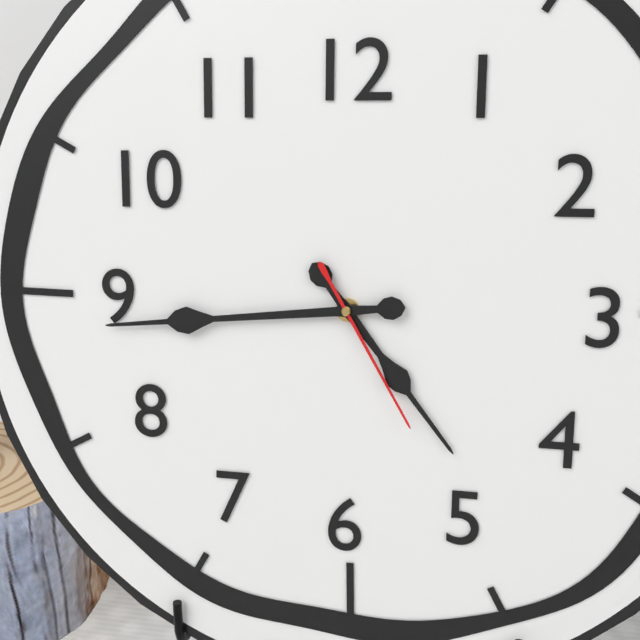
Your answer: 4 h 44 min 25 s
